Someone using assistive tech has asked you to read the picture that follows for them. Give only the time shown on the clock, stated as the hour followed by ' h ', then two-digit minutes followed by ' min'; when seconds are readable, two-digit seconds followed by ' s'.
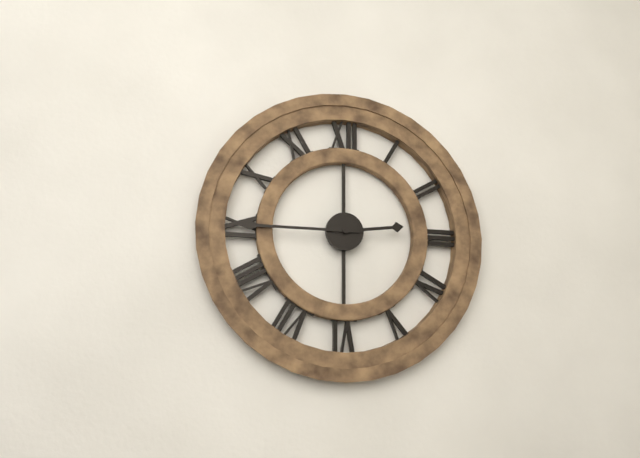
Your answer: 2 h 45 min
